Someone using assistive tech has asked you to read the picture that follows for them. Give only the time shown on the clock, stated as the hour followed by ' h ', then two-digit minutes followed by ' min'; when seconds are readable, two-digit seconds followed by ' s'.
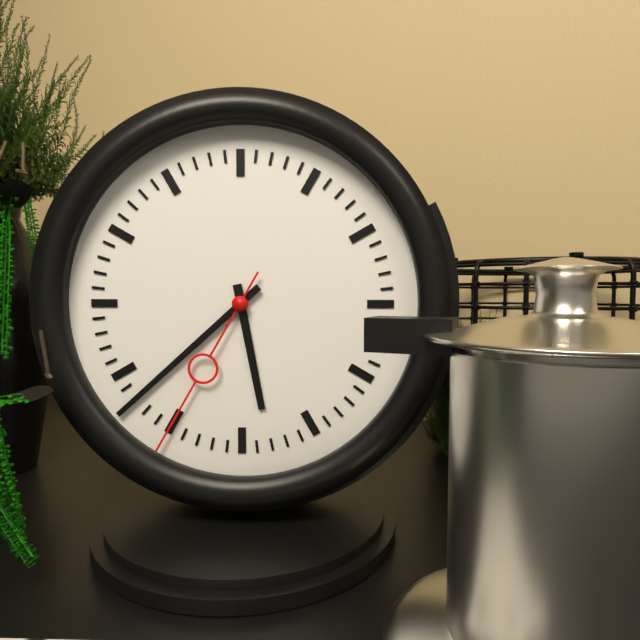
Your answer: 5 h 38 min 35 s
